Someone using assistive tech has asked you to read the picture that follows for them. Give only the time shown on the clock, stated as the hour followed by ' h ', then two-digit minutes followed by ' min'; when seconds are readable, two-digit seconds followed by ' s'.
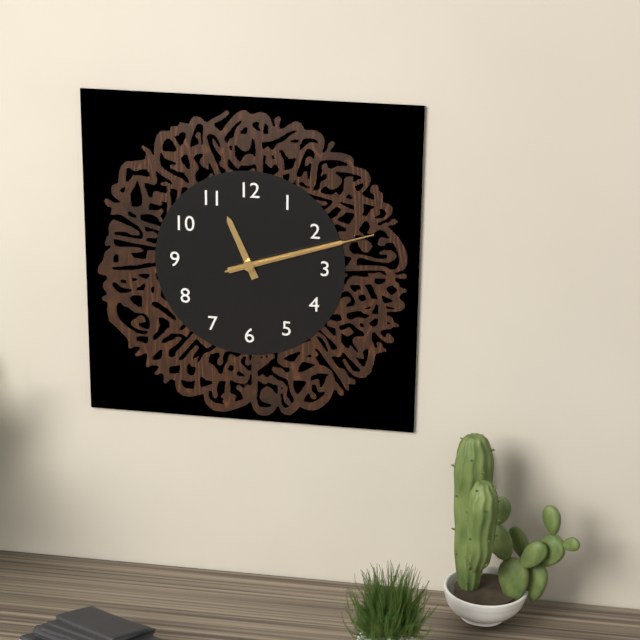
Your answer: 11 h 12 min 12 s
